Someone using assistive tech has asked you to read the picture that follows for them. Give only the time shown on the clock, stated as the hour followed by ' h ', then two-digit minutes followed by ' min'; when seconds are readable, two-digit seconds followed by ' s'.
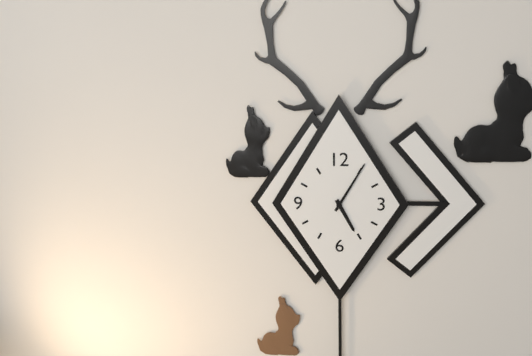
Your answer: 5 h 05 min
